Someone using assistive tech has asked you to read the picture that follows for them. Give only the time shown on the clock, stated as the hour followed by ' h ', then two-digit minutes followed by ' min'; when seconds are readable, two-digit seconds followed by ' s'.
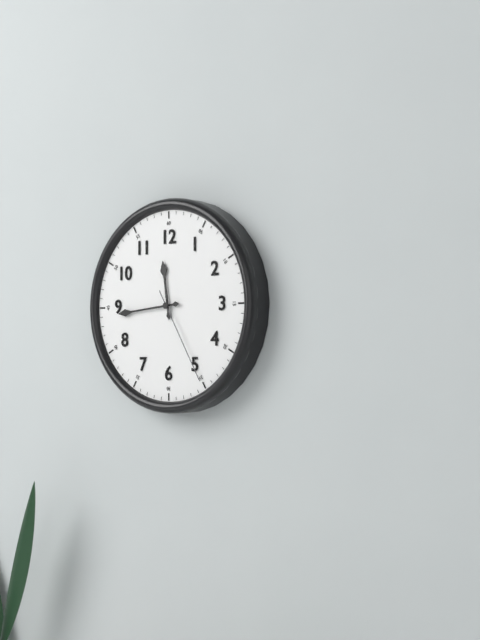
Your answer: 11 h 44 min 25 s
